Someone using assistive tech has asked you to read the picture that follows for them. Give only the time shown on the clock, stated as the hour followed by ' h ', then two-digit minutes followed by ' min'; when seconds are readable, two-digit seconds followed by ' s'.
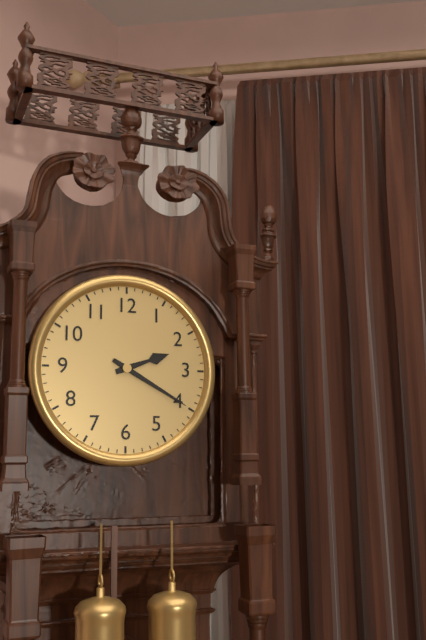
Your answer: 2 h 20 min
